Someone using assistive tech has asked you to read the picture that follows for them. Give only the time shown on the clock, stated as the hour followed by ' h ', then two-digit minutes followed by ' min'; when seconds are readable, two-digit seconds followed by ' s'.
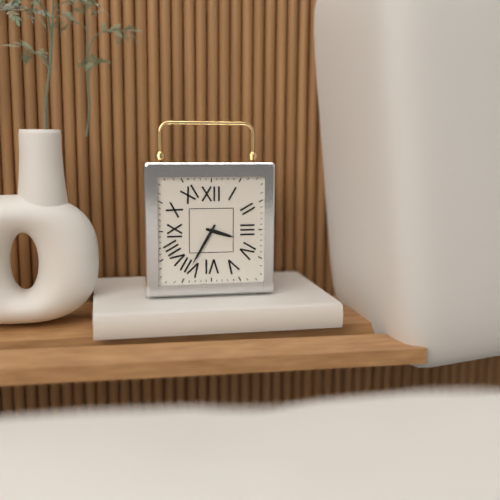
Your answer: 3 h 35 min
